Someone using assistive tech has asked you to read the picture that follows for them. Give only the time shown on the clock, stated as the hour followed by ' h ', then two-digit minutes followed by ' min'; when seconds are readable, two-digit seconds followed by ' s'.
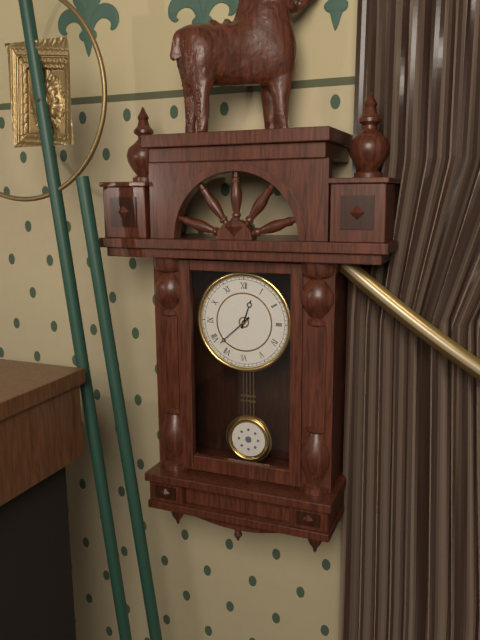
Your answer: 12 h 38 min
